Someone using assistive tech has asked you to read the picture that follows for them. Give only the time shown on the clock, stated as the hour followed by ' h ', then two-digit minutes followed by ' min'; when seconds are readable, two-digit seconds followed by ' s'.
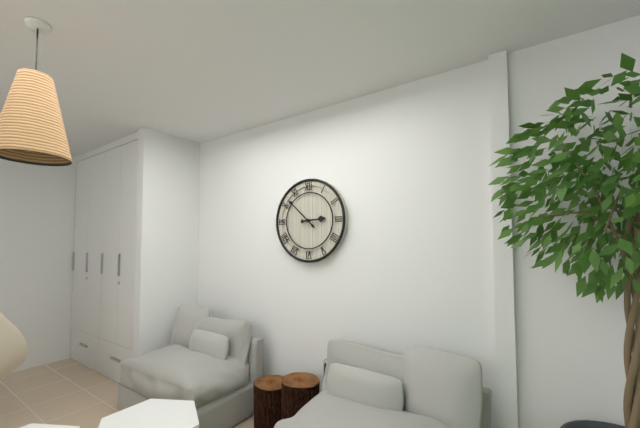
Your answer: 2 h 52 min
